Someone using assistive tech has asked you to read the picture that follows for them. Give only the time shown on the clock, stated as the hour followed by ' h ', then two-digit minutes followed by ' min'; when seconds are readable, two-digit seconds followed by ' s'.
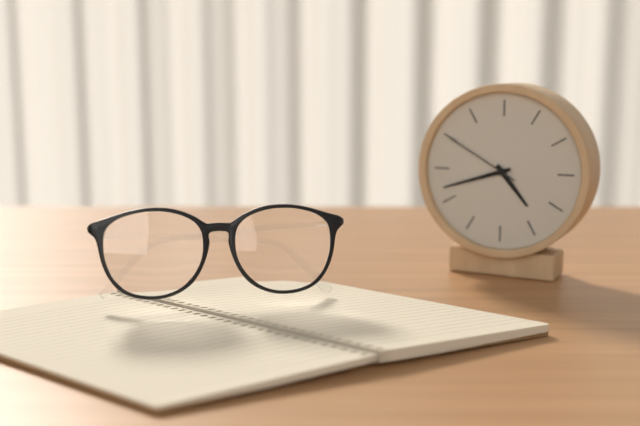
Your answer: 4 h 42 min 50 s
